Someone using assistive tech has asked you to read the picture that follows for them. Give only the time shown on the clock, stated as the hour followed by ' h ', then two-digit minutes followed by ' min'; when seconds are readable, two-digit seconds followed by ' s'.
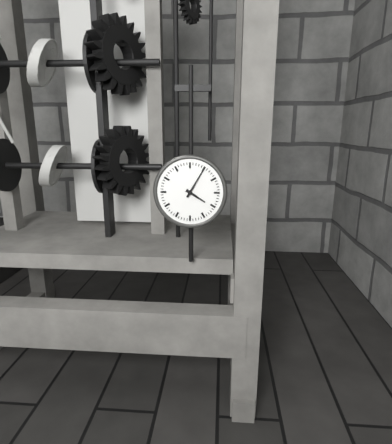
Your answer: 4 h 05 min
